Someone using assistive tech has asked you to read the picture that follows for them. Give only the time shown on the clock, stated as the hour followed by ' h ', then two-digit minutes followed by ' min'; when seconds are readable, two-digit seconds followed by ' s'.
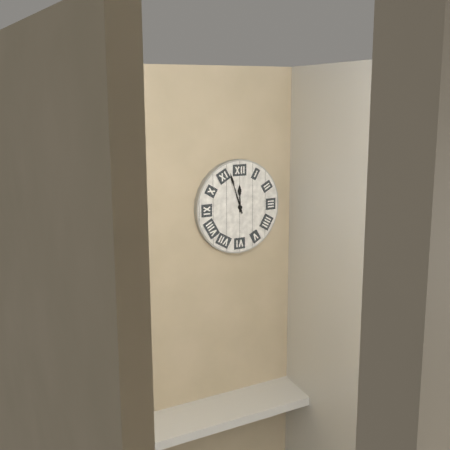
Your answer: 11 h 57 min
